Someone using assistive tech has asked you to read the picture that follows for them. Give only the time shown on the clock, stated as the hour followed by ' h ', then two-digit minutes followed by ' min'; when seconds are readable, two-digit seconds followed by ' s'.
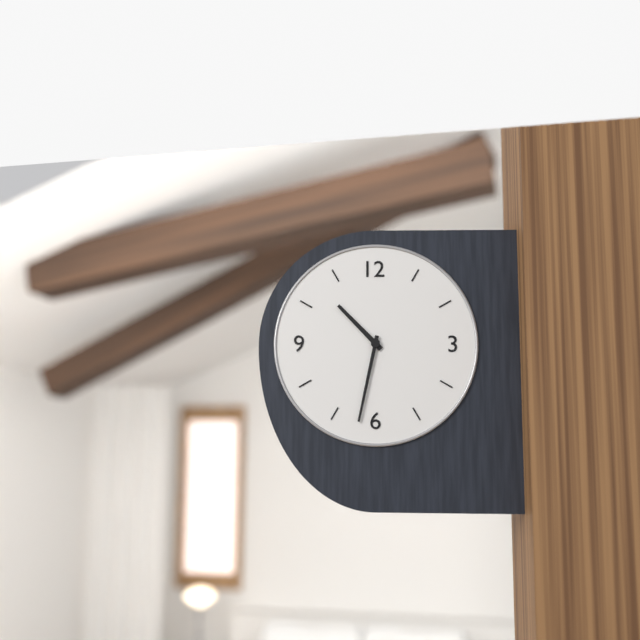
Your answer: 10 h 32 min
